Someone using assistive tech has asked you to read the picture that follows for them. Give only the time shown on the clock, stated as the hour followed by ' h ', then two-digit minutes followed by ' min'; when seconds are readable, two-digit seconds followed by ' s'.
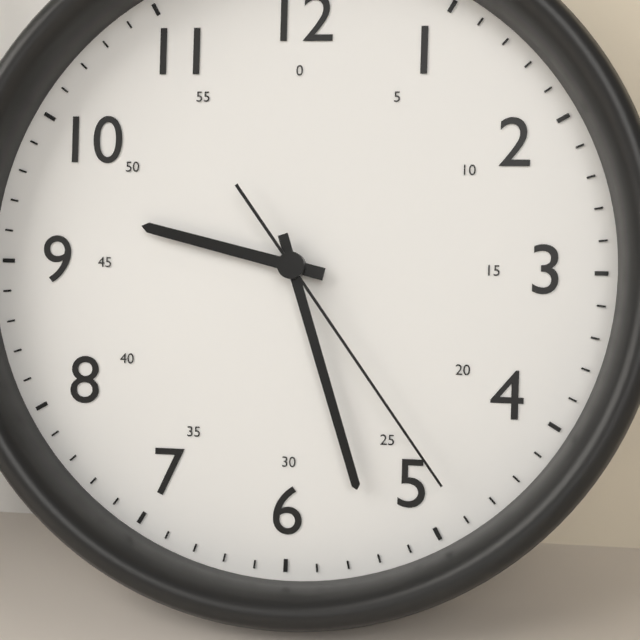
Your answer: 9 h 27 min 24 s
